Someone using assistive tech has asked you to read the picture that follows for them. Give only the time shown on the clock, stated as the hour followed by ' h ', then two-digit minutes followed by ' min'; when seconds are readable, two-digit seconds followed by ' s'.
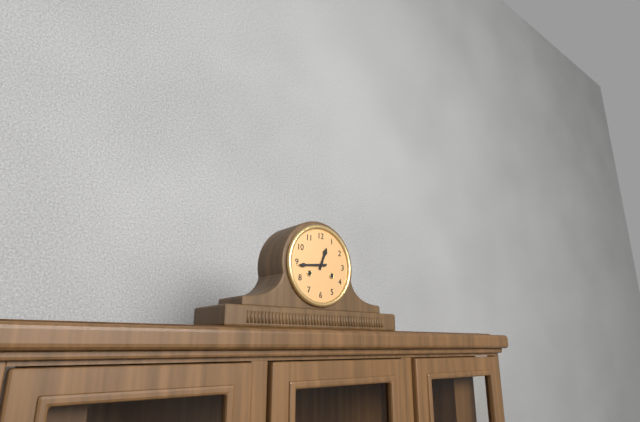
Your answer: 12 h 44 min
